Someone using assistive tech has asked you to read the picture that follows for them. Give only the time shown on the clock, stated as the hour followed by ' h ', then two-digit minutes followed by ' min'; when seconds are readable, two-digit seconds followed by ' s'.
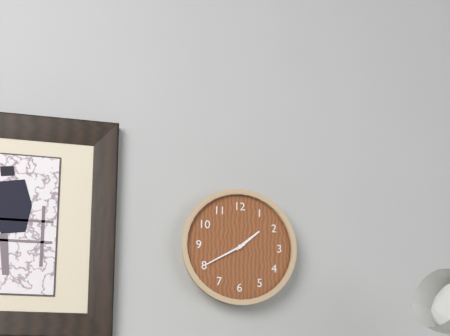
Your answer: 1 h 40 min
